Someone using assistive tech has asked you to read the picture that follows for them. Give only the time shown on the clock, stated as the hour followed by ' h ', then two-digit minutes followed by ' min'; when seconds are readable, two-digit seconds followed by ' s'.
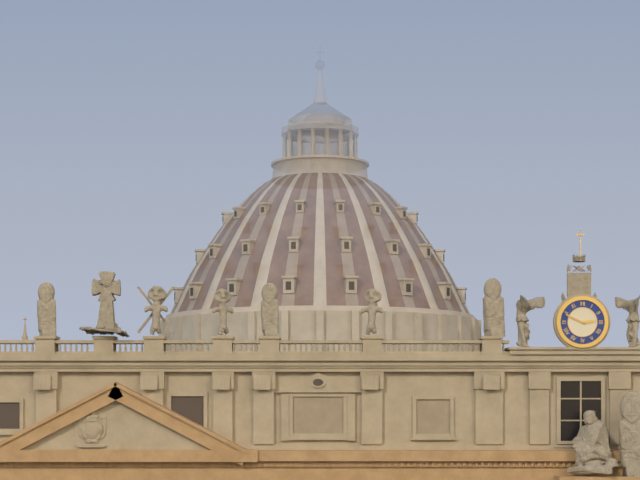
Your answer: 2 h 49 min
